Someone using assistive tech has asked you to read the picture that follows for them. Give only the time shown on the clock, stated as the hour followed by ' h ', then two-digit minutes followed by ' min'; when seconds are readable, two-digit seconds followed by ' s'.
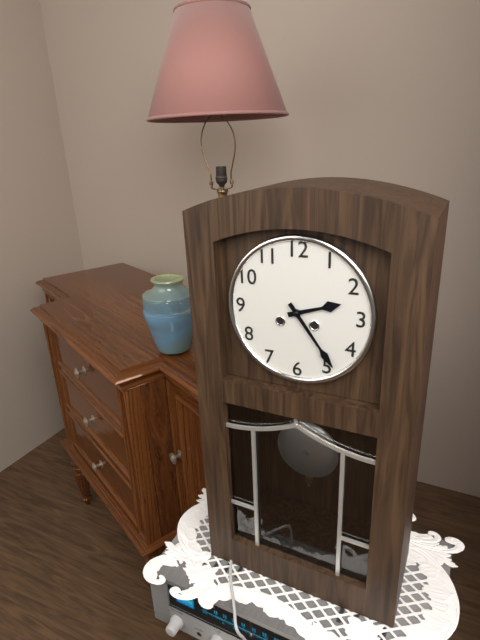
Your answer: 2 h 24 min
